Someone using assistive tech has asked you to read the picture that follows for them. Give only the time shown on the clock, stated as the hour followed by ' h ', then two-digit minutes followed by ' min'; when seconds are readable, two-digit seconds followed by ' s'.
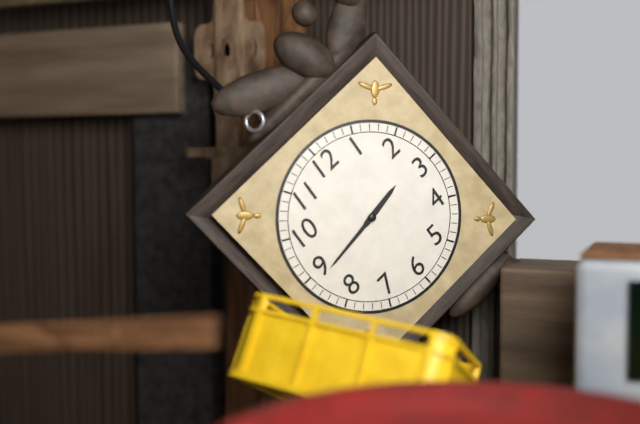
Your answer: 2 h 44 min
